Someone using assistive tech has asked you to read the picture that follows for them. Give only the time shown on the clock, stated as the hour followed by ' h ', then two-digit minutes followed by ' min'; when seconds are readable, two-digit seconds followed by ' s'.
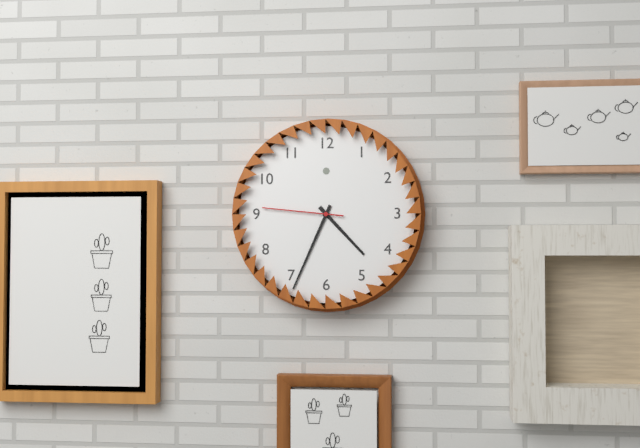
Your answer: 4 h 34 min 46 s
